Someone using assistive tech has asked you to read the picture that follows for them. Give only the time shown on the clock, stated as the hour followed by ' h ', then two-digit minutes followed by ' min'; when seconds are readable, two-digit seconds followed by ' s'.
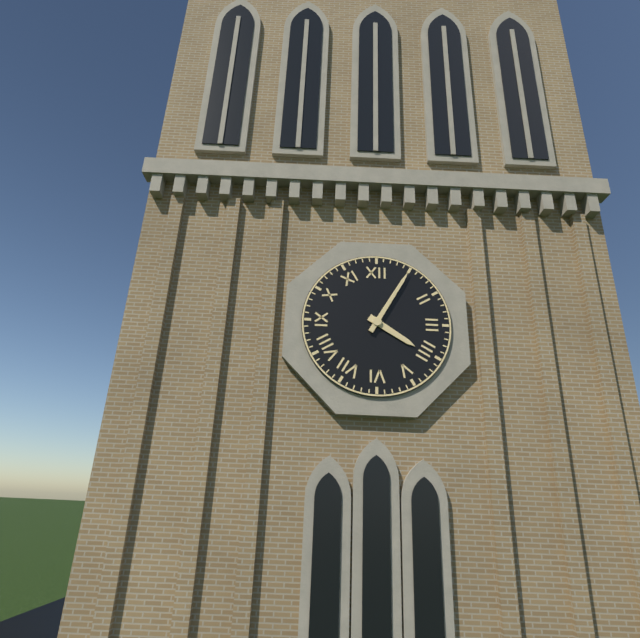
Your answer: 4 h 05 min
